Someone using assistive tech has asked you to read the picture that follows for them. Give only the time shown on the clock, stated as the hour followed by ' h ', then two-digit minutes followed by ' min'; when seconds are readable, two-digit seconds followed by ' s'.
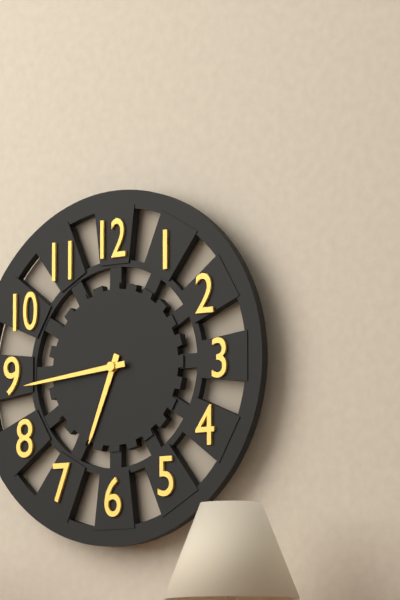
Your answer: 6 h 44 min
